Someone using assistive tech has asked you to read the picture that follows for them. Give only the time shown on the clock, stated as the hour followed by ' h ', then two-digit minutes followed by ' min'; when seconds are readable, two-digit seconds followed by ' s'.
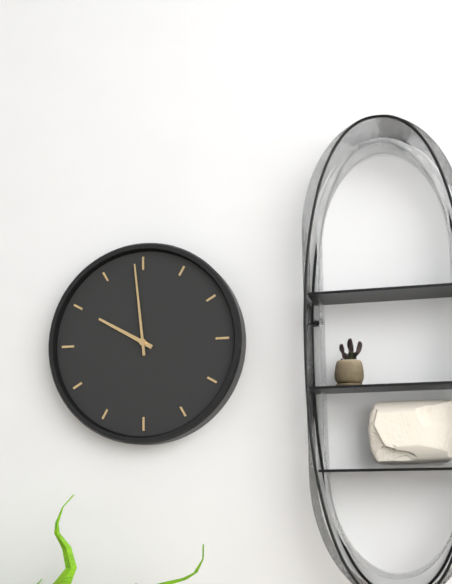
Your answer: 9 h 59 min
